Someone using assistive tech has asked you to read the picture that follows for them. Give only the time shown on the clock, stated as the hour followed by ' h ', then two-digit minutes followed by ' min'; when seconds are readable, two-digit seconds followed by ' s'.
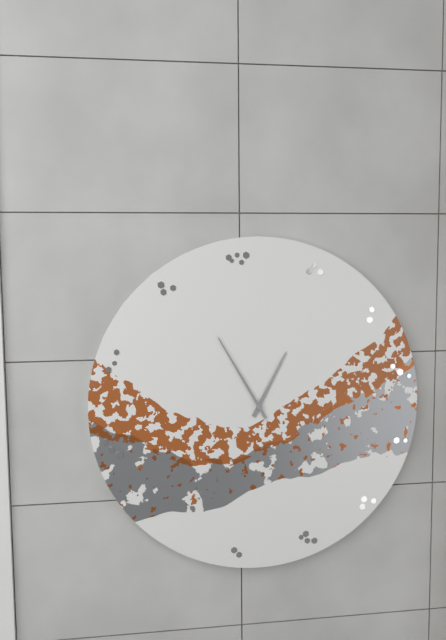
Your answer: 12 h 55 min
